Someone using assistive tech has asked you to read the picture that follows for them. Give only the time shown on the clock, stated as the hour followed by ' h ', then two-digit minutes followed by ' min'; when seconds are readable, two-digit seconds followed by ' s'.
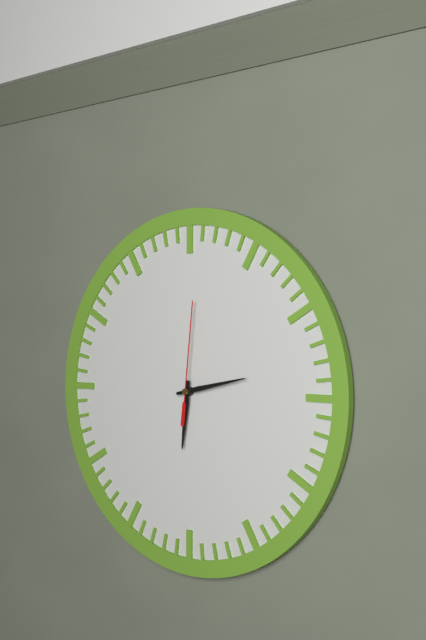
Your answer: 6 h 13 min 01 s
